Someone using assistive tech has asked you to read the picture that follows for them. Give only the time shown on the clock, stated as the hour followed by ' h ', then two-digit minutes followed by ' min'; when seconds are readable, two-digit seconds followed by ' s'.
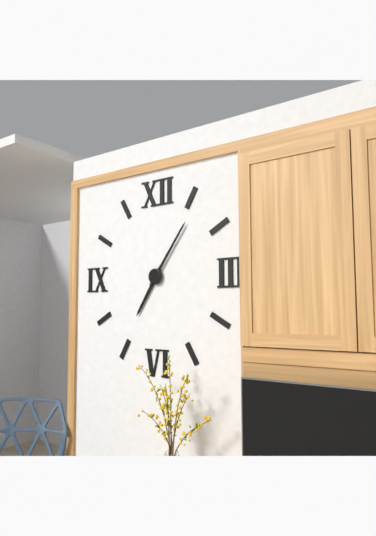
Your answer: 7 h 06 min
